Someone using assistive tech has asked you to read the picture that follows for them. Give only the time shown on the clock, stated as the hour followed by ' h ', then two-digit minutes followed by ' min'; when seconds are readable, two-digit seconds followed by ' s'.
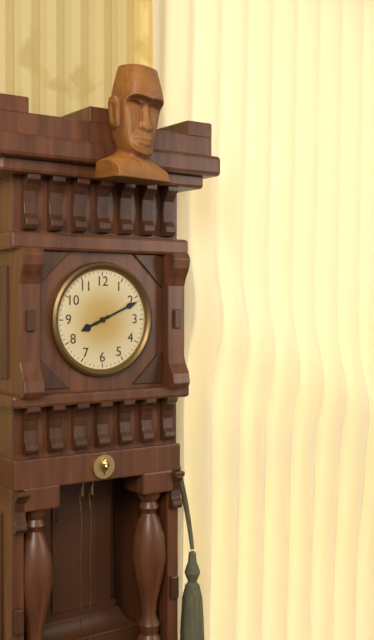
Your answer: 8 h 11 min
